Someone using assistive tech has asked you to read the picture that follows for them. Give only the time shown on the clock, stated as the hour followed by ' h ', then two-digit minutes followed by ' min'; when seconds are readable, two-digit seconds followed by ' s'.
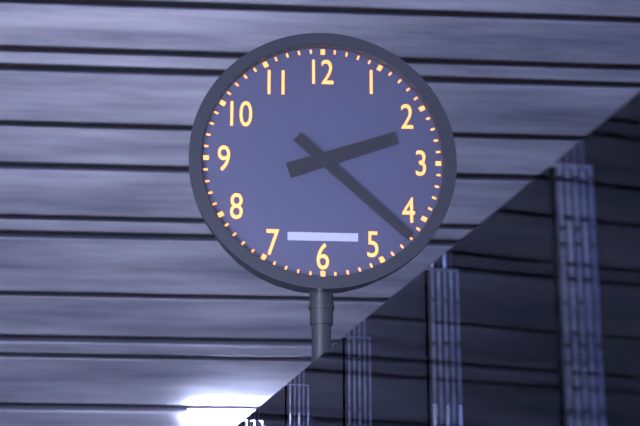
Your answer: 2 h 22 min
